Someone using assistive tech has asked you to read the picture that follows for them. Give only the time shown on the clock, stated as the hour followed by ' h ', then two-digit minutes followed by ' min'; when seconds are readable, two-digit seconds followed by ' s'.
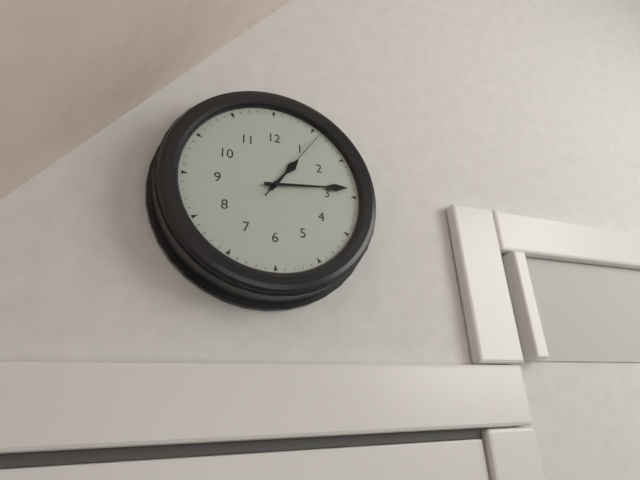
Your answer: 1 h 14 min 06 s
